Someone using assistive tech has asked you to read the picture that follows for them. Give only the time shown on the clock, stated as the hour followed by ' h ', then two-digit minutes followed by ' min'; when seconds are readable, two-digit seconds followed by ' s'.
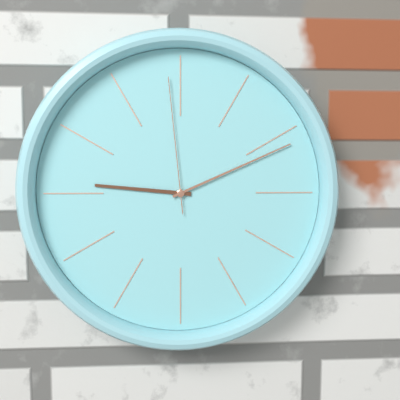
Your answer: 9 h 11 min 59 s
